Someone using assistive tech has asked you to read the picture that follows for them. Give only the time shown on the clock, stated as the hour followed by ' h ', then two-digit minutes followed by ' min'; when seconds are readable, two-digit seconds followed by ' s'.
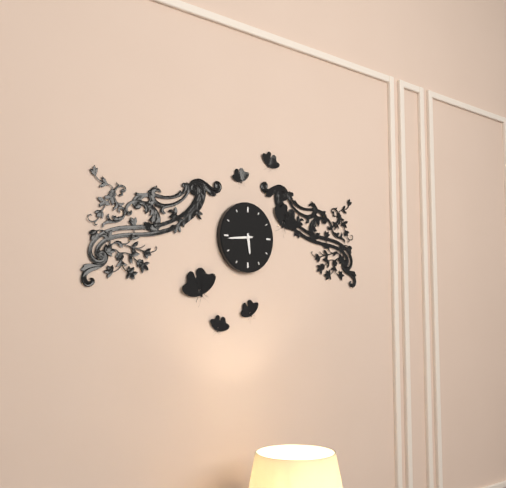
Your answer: 5 h 44 min
